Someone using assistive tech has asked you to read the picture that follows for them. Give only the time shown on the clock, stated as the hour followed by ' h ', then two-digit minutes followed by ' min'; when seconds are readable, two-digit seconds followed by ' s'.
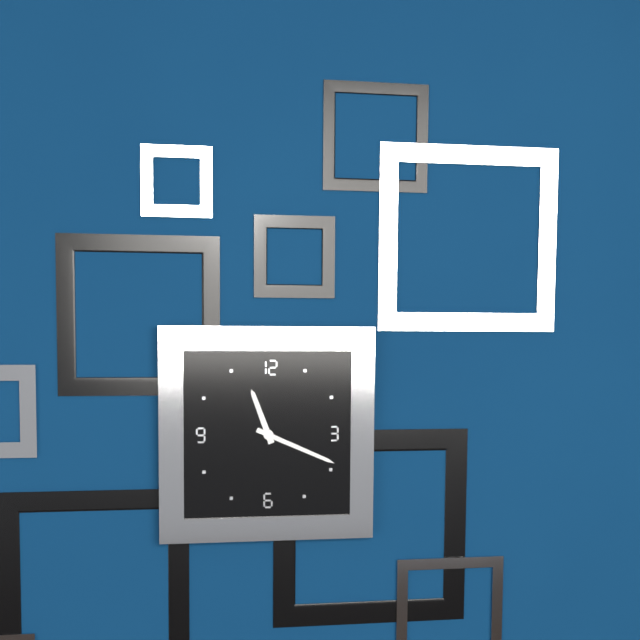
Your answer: 11 h 19 min
